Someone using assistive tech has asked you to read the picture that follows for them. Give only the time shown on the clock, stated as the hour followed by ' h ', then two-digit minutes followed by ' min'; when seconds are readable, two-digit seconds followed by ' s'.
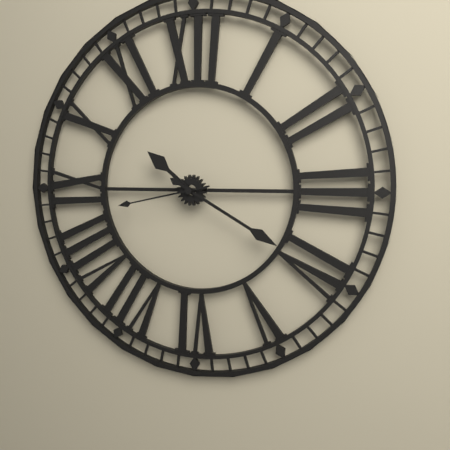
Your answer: 10 h 20 min 43 s
